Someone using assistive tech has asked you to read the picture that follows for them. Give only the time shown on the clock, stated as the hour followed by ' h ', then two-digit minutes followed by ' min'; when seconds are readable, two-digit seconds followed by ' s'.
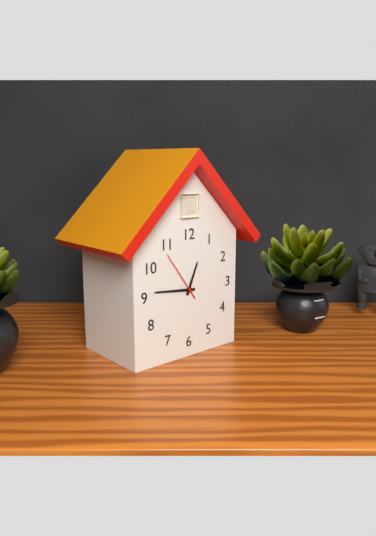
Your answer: 12 h 46 min 54 s
